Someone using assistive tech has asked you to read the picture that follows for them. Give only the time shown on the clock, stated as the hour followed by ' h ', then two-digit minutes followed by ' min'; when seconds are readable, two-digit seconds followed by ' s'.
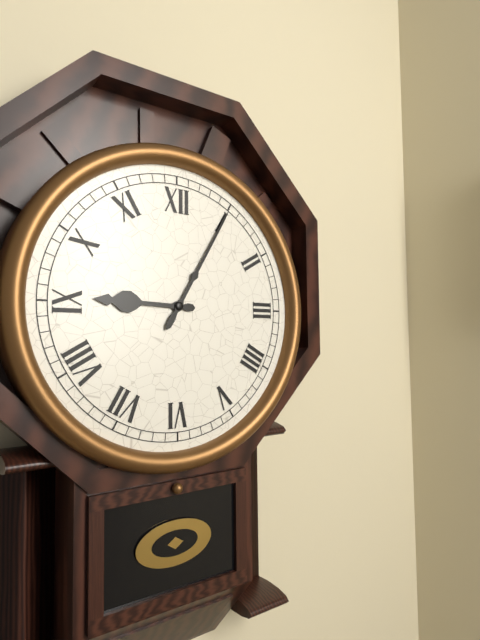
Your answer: 9 h 05 min
